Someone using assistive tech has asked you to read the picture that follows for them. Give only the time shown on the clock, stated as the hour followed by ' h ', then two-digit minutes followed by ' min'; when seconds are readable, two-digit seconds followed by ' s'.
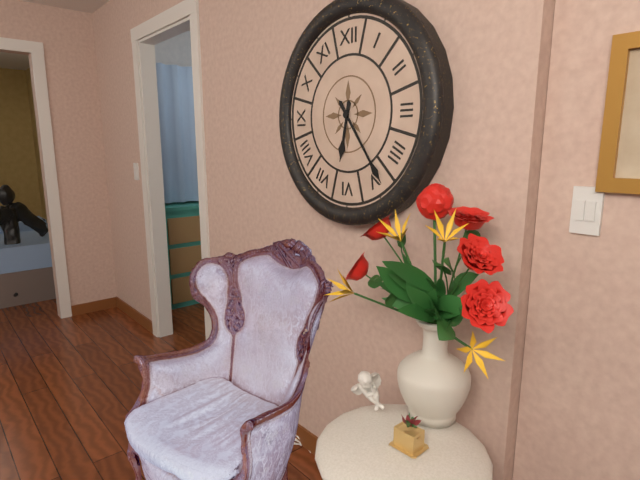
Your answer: 6 h 24 min
